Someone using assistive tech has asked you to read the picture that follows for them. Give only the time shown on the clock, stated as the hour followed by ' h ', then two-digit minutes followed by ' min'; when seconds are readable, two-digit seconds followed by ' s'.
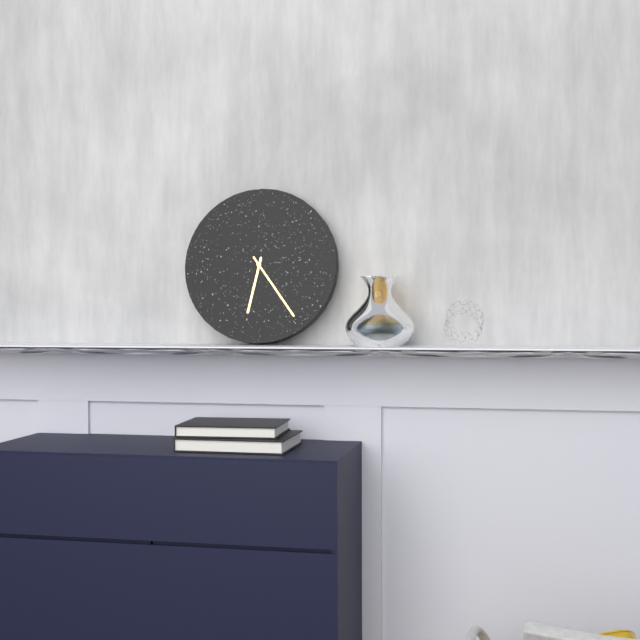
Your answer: 6 h 24 min
